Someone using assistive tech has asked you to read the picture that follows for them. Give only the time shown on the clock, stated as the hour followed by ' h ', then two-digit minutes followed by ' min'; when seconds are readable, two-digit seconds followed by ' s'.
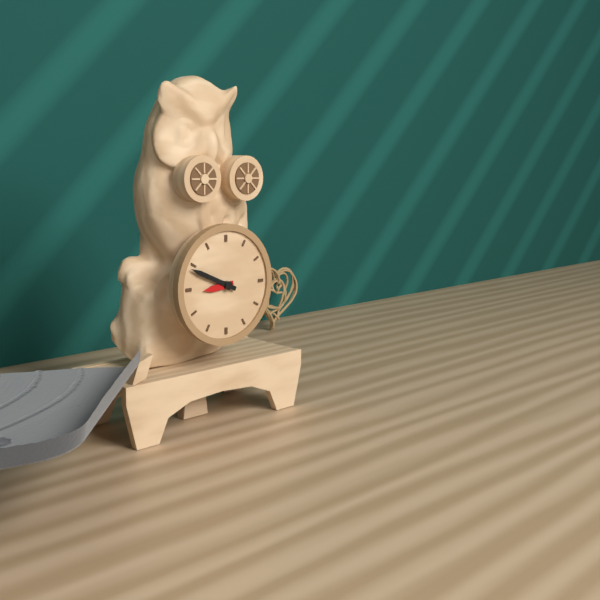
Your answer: 8 h 49 min
